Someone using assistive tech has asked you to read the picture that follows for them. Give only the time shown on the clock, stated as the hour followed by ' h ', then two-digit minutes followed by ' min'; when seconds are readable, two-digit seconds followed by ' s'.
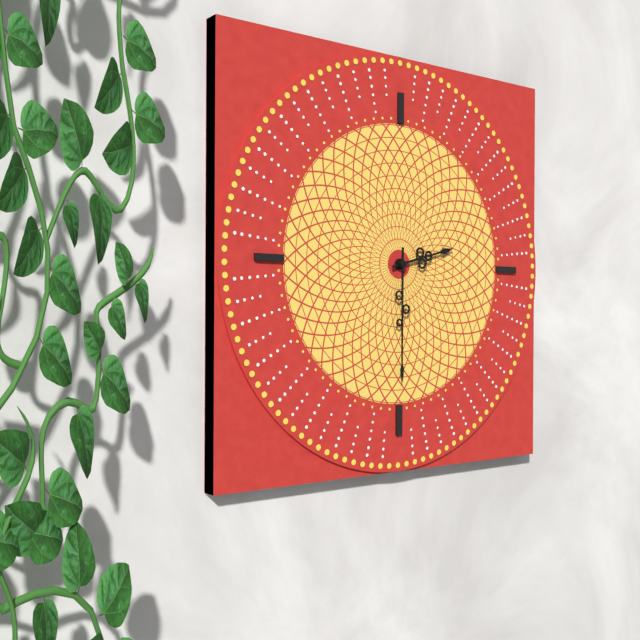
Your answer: 2 h 30 min
